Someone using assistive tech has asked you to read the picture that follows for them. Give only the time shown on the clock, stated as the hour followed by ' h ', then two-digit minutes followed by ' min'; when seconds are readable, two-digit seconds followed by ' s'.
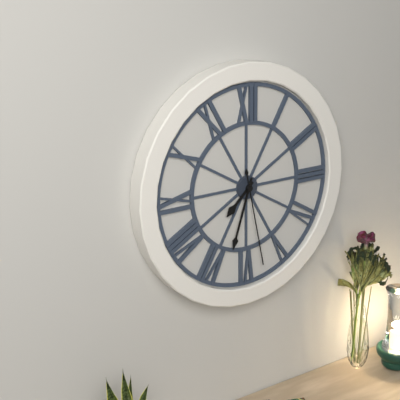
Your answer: 7 h 33 min 28 s
